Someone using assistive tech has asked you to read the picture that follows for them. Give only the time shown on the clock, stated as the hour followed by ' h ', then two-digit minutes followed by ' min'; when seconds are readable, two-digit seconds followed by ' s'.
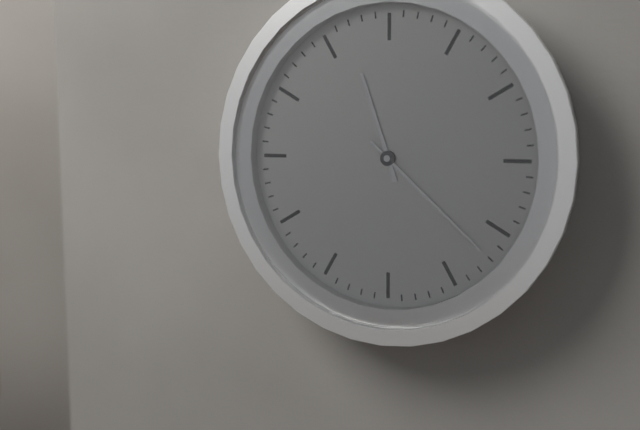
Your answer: 11 h 22 min
